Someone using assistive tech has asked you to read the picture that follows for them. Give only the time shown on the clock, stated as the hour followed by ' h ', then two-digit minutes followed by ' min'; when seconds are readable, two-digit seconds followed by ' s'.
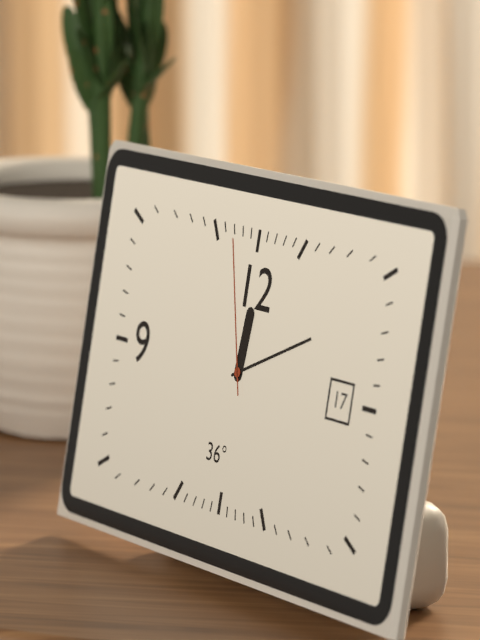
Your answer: 12 h 11 min 57 s
